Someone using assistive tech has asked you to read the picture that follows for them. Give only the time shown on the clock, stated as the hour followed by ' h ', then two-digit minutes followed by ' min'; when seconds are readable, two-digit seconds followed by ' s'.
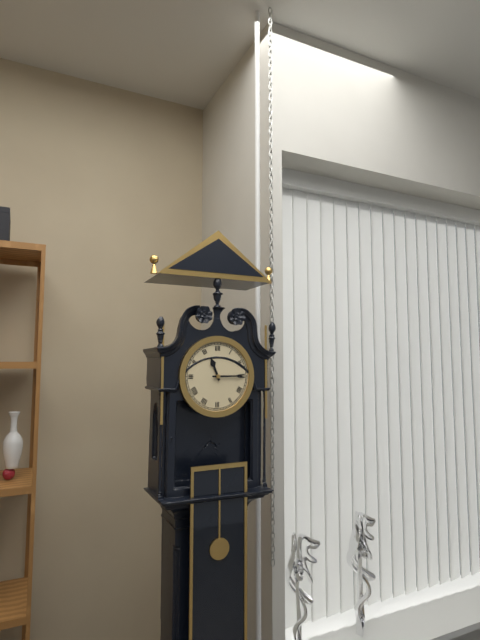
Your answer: 11 h 15 min
